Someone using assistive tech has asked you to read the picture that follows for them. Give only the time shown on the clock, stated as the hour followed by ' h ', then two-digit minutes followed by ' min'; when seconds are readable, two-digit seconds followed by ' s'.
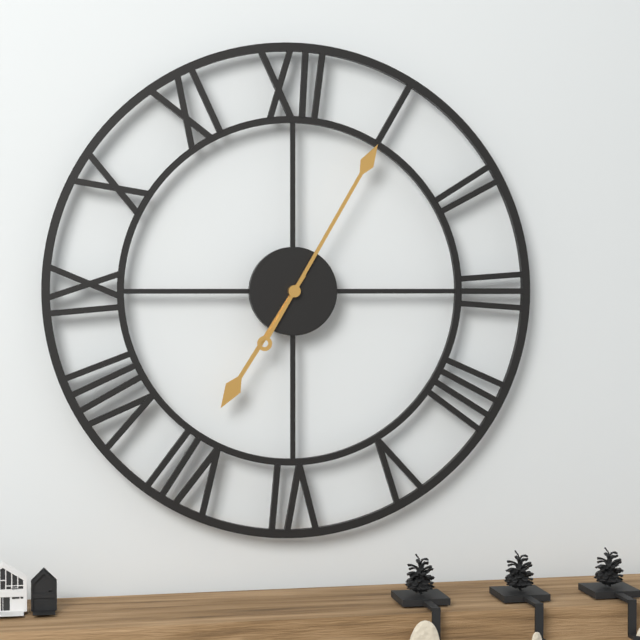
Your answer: 7 h 05 min
